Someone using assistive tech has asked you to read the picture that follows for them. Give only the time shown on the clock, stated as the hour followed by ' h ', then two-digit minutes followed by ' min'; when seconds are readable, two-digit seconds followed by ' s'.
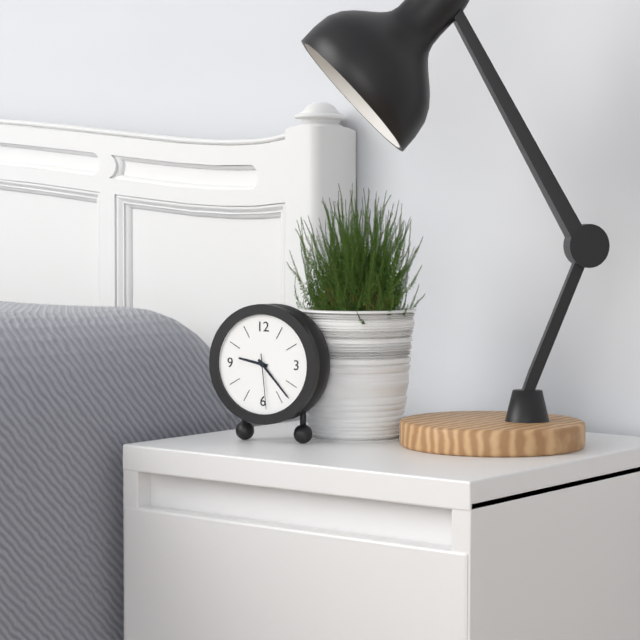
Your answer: 9 h 23 min 29 s
